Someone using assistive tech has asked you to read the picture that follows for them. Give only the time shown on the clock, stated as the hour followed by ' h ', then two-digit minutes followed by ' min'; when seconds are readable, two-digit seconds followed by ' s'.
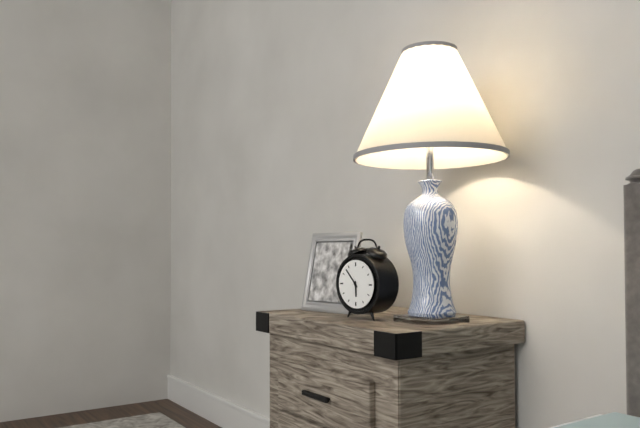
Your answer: 5 h 53 min
